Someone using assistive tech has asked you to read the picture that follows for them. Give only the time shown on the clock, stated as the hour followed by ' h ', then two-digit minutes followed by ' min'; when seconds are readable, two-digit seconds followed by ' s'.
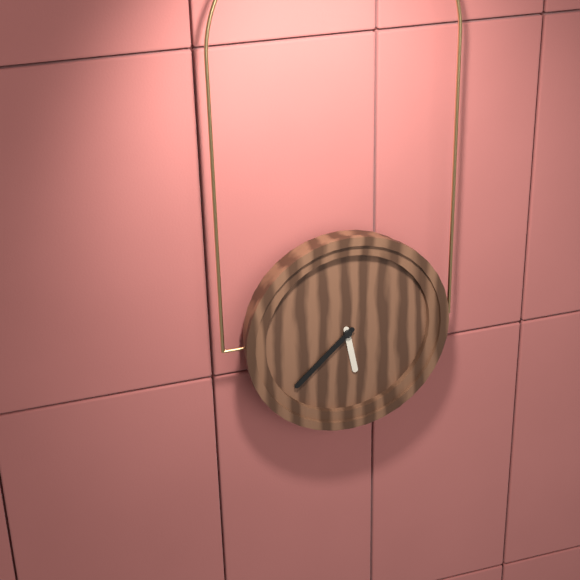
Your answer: 5 h 38 min
